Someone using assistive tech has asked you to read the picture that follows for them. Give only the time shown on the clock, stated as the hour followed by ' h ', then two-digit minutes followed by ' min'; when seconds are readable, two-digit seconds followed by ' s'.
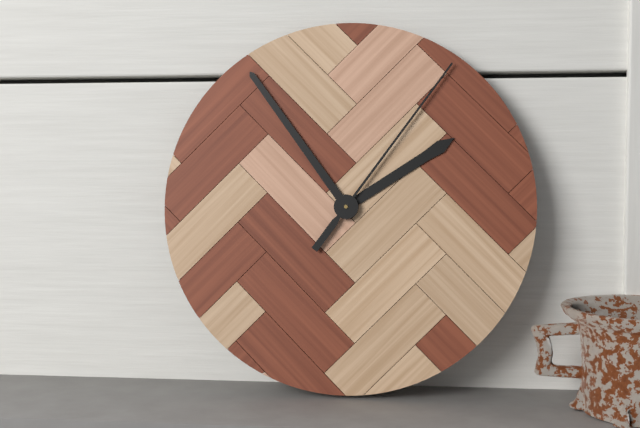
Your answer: 1 h 54 min 06 s
